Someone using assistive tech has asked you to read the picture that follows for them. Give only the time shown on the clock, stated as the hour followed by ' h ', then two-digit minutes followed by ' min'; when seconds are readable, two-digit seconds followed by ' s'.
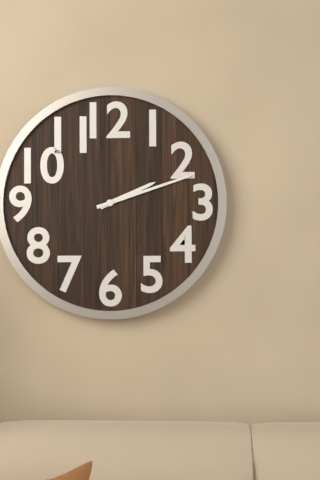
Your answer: 2 h 12 min
